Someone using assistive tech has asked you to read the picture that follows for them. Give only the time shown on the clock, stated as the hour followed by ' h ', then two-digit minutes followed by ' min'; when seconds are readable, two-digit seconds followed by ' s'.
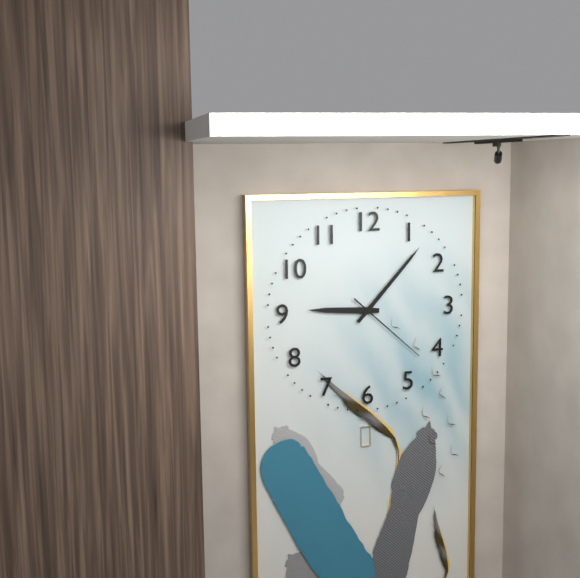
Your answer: 9 h 07 min 22 s
